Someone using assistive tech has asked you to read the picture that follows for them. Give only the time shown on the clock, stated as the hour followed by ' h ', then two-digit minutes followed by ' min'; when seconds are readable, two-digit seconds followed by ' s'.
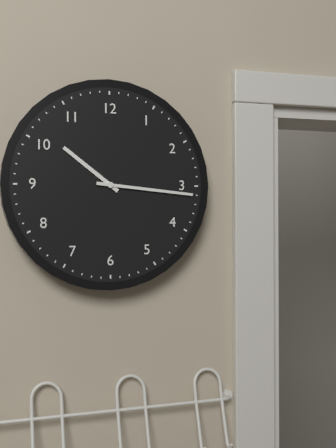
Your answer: 10 h 16 min
